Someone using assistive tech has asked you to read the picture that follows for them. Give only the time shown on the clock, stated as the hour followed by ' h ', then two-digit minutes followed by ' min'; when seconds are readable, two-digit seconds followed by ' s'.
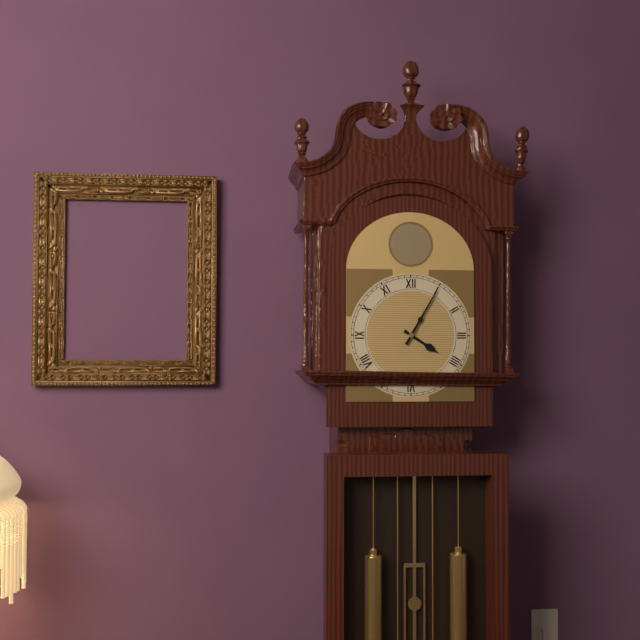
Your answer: 4 h 05 min
